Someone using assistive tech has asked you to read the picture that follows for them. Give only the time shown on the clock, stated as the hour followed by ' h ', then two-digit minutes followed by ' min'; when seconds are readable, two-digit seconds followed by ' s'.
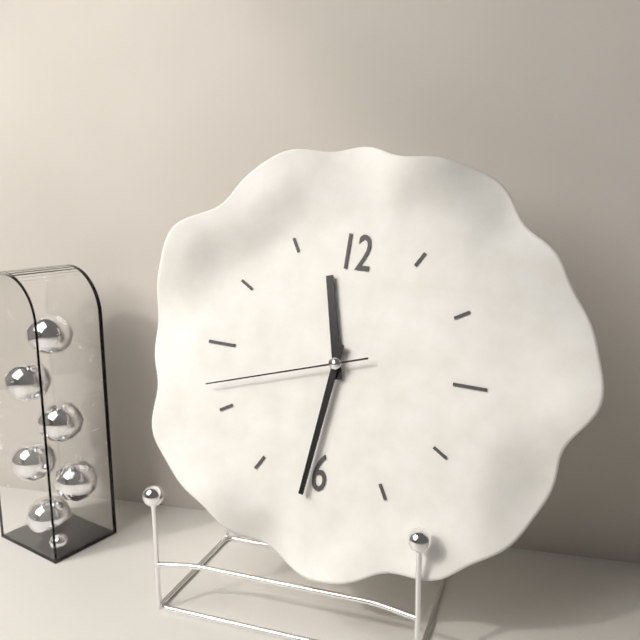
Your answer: 11 h 31 min 42 s
